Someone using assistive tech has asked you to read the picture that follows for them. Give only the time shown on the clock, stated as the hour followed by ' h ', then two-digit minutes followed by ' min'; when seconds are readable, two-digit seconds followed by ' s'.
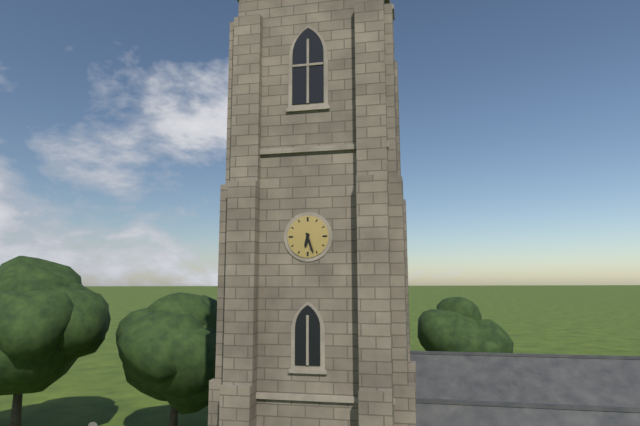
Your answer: 6 h 27 min
